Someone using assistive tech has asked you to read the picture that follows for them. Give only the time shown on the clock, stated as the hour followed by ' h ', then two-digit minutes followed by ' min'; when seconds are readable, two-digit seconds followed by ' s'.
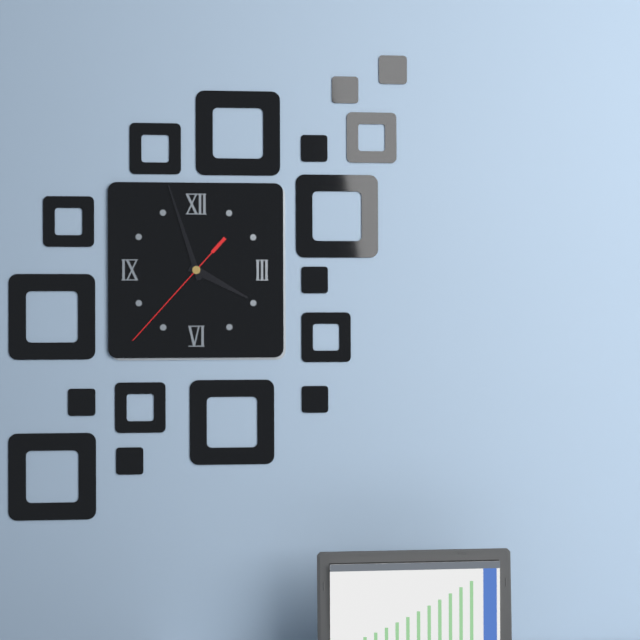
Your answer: 3 h 57 min 37 s
